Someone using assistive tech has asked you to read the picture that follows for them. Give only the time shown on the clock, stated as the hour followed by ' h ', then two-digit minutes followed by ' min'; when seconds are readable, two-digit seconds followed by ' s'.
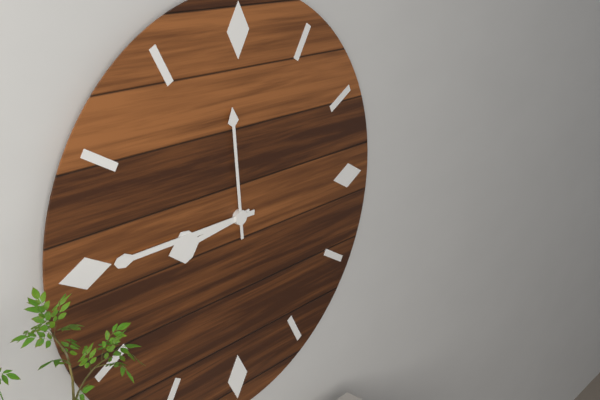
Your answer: 8 h 45 min 59 s
